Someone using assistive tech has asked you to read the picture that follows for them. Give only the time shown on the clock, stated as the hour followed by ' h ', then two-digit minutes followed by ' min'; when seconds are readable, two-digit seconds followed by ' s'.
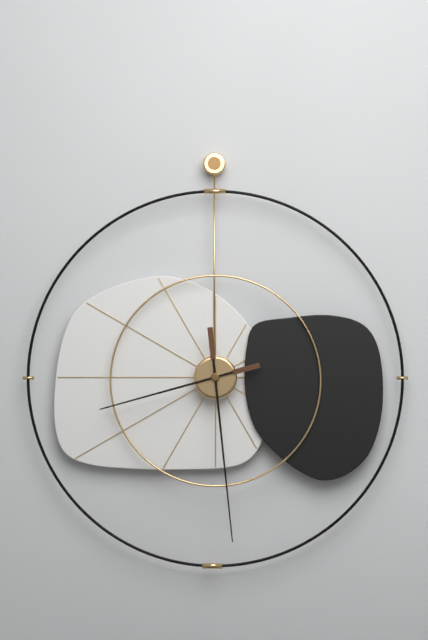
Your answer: 8 h 29 min
